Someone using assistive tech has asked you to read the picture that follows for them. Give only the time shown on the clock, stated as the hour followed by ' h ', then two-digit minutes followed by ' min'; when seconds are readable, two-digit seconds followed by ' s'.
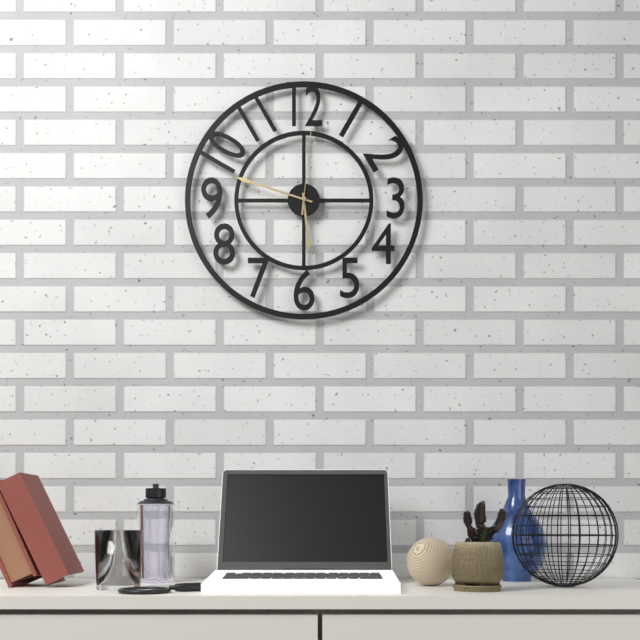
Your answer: 5 h 48 min 01 s
